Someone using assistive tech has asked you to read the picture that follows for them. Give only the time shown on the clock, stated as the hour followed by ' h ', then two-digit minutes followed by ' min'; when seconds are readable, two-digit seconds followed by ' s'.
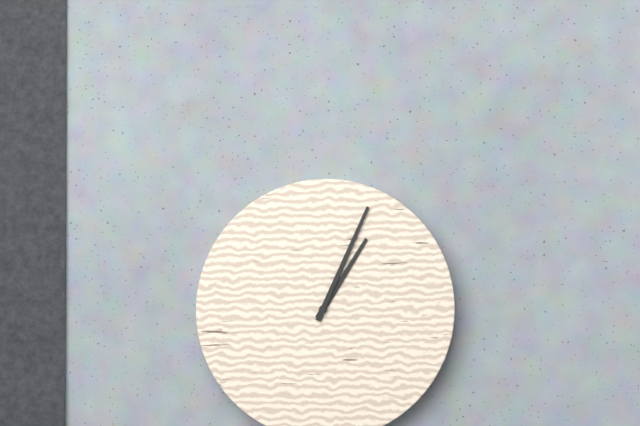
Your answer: 1 h 04 min
